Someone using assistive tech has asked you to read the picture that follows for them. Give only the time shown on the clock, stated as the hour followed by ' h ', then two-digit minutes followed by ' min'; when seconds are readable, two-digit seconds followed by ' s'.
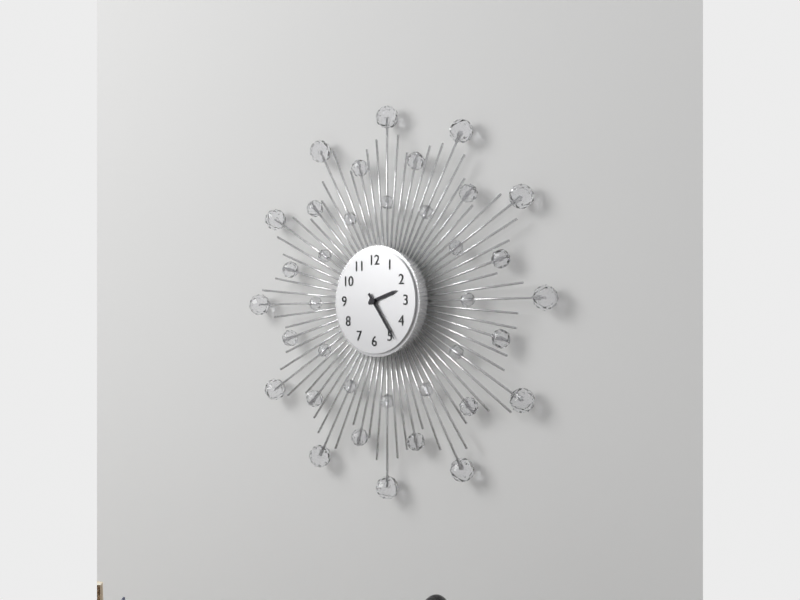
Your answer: 2 h 24 min
